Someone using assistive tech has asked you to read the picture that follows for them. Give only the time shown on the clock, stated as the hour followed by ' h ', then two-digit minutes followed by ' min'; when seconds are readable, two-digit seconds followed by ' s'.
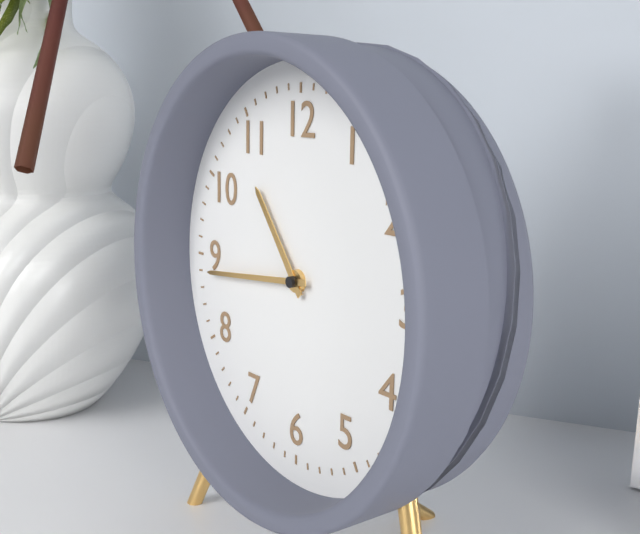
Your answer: 10 h 44 min
